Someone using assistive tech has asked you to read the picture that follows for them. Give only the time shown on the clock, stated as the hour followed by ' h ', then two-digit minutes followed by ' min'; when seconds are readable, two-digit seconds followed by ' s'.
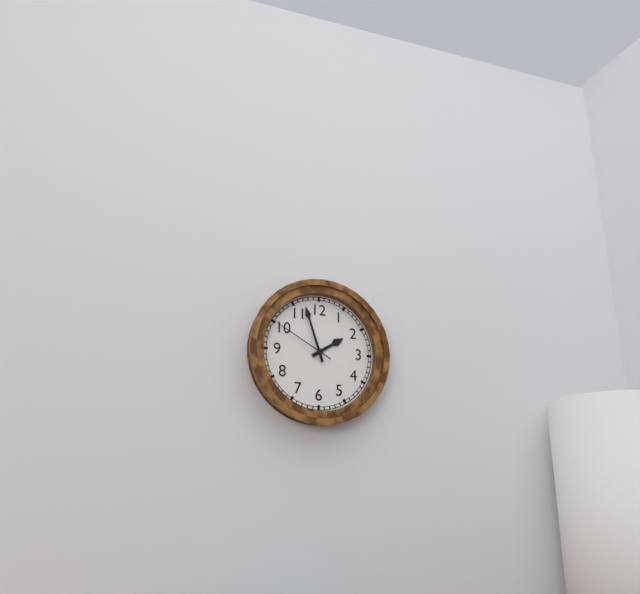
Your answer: 1 h 57 min 50 s
